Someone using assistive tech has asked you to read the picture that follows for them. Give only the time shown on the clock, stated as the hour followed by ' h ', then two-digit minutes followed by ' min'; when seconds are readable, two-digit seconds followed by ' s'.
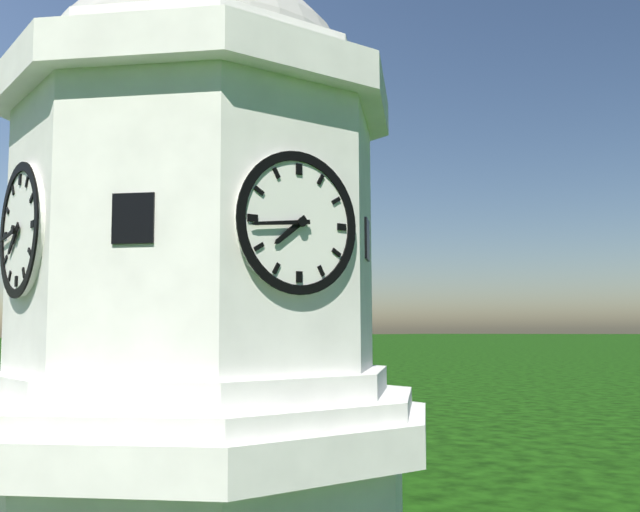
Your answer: 7 h 44 min
